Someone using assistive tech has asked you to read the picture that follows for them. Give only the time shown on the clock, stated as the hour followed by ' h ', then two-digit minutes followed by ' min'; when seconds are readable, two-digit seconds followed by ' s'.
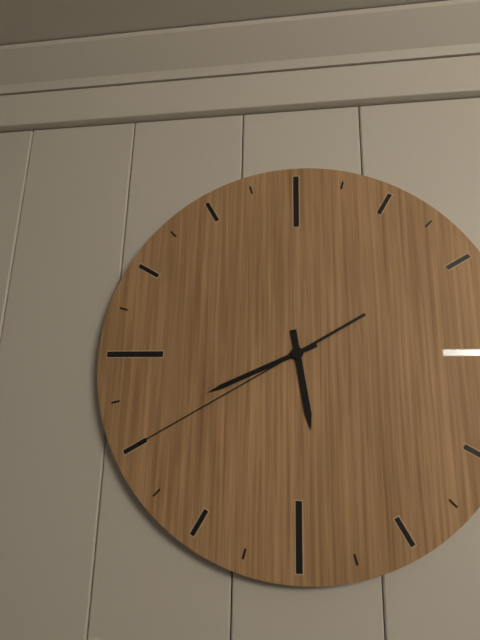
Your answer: 5 h 41 min 40 s
